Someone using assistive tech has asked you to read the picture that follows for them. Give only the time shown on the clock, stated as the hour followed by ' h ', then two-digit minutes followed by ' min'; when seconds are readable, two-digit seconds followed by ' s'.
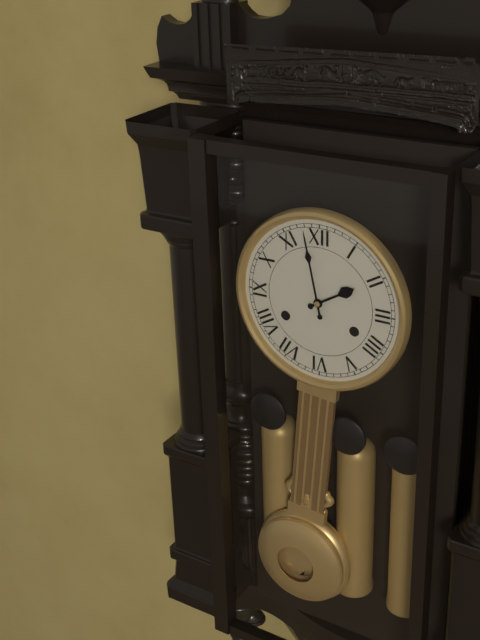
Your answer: 1 h 58 min
